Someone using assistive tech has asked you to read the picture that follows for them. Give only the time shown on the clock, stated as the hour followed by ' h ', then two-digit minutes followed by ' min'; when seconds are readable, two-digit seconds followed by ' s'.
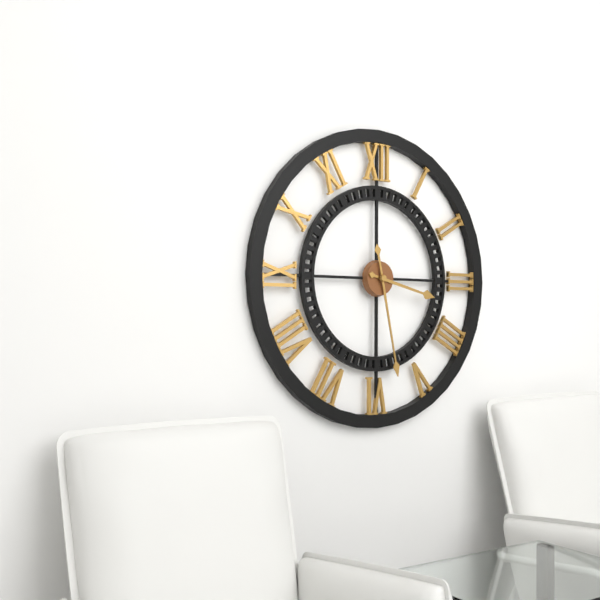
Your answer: 3 h 28 min
